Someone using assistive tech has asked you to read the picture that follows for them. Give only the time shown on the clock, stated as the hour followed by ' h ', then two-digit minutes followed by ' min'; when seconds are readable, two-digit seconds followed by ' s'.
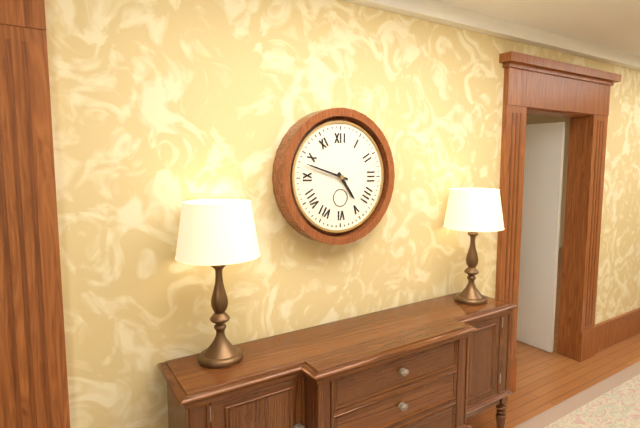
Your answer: 4 h 48 min
